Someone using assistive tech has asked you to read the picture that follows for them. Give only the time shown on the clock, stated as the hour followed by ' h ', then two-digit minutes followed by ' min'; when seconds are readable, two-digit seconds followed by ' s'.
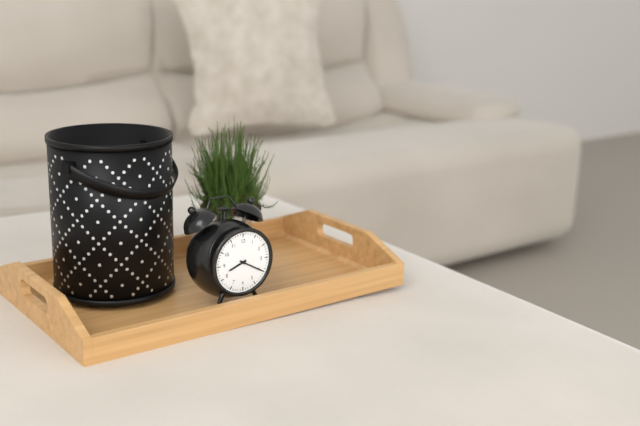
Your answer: 8 h 20 min
